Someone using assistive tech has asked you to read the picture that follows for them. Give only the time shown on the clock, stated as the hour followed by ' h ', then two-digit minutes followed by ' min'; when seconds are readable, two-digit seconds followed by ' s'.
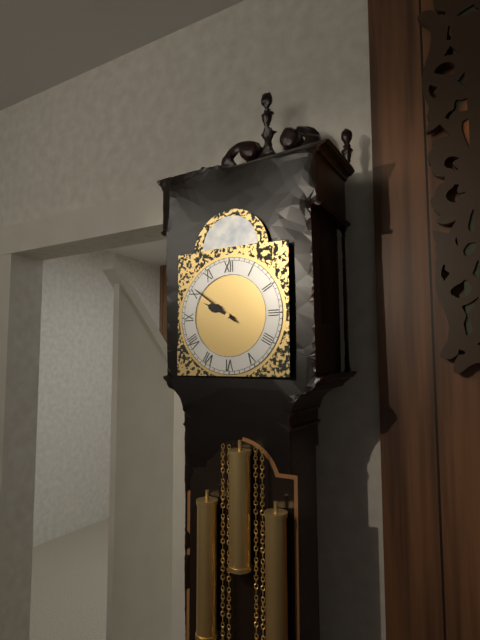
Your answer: 9 h 51 min
